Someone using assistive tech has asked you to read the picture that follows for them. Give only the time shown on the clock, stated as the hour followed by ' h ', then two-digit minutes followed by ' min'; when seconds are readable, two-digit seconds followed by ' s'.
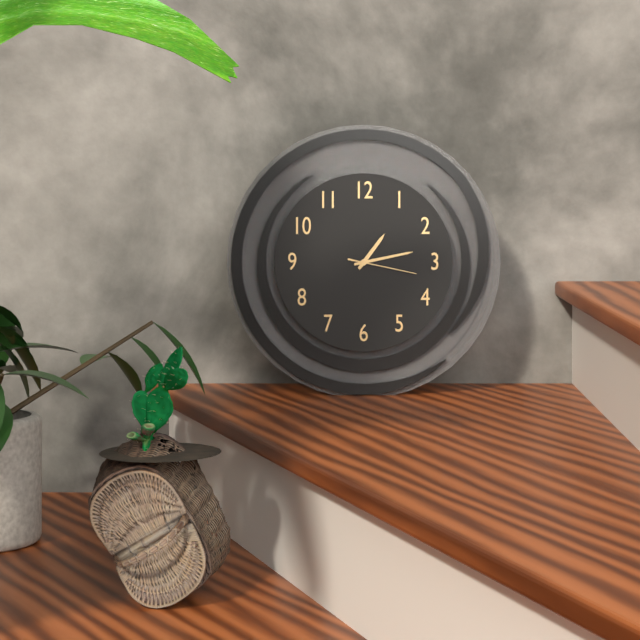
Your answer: 1 h 13 min 17 s
